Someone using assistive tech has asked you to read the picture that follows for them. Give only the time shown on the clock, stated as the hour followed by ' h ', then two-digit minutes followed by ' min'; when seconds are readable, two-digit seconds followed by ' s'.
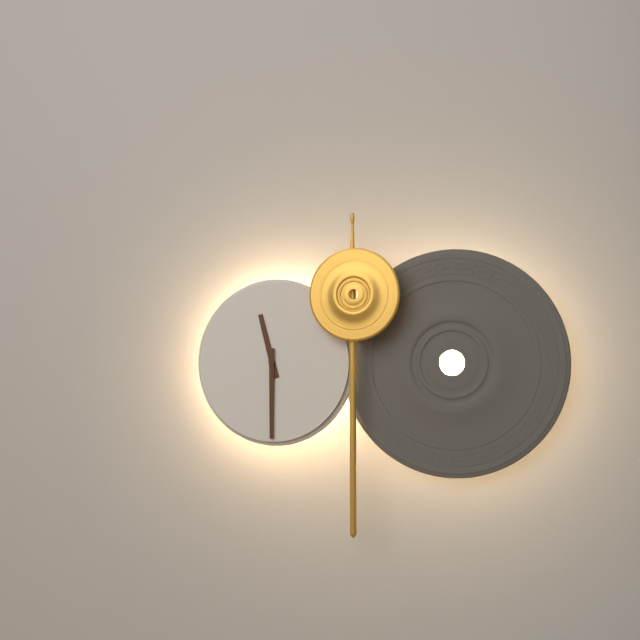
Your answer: 11 h 30 min
